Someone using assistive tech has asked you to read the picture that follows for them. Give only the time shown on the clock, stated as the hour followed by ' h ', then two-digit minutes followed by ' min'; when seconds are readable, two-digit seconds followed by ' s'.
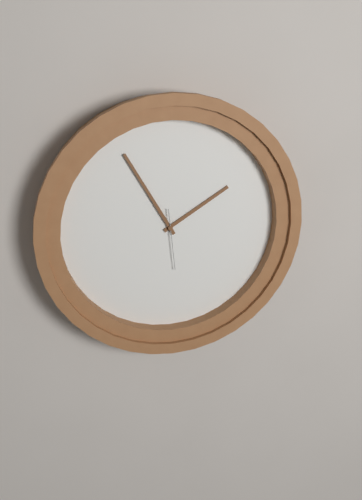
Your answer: 1 h 55 min 29 s
